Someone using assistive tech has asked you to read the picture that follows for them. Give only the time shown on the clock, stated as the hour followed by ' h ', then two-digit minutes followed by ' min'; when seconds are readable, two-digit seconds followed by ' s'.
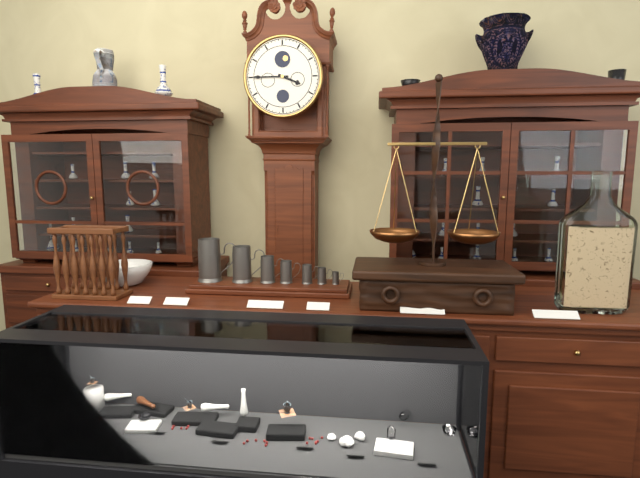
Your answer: 3 h 45 min
